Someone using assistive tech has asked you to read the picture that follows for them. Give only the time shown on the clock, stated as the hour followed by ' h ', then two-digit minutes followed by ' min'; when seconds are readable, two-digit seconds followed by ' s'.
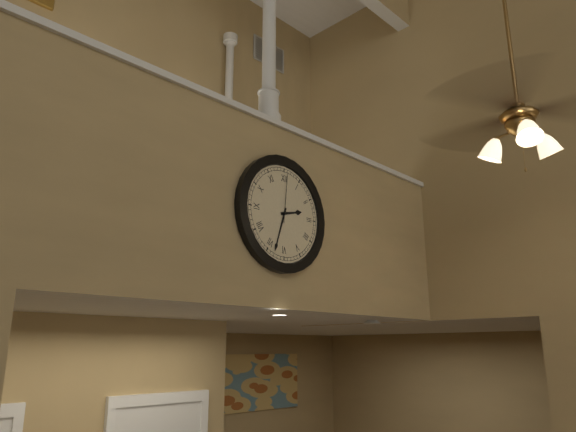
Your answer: 2 h 33 min 01 s
